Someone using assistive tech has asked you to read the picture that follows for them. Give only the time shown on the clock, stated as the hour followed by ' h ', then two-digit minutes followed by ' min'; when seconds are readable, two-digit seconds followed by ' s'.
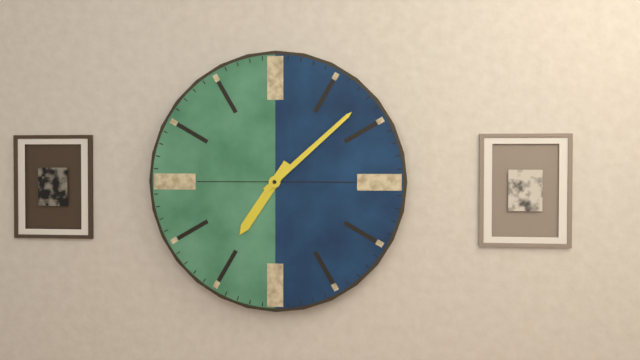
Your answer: 7 h 08 min
